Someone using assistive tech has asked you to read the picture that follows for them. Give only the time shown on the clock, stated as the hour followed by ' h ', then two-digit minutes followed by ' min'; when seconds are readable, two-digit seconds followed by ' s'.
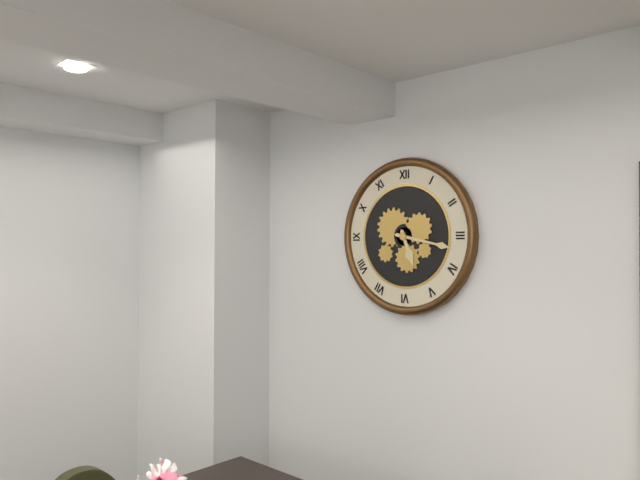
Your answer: 5 h 17 min
